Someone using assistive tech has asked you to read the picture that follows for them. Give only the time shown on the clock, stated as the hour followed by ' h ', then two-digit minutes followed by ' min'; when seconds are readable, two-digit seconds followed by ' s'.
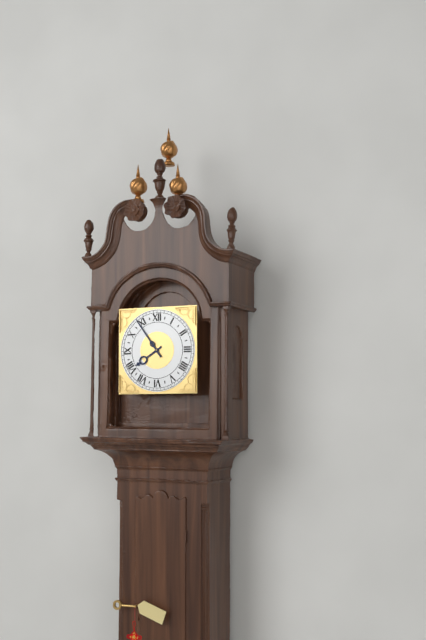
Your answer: 7 h 54 min
